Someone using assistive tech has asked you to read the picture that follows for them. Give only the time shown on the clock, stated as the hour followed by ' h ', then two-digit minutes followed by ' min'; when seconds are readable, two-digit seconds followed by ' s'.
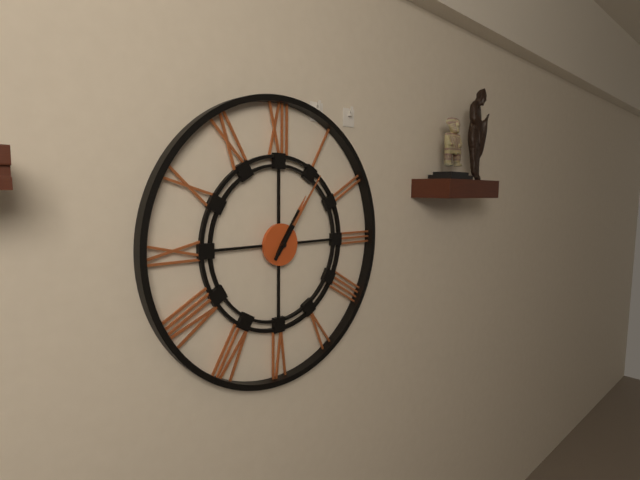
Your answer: 1 h 06 min
